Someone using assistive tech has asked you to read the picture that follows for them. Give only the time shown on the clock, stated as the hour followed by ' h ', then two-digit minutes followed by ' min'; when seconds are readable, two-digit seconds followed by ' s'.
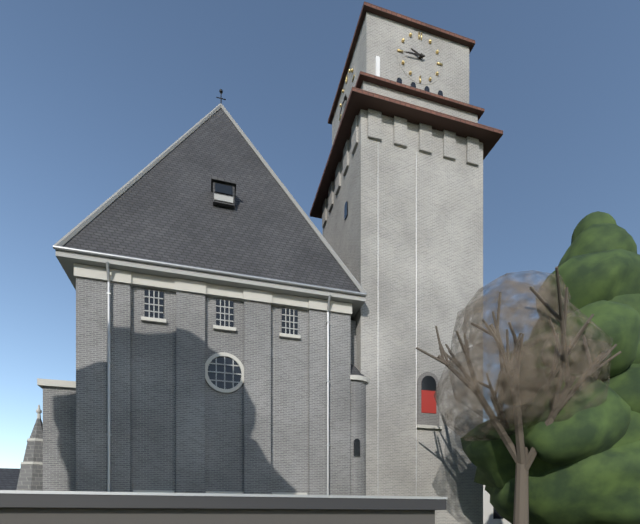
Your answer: 9 h 44 min
